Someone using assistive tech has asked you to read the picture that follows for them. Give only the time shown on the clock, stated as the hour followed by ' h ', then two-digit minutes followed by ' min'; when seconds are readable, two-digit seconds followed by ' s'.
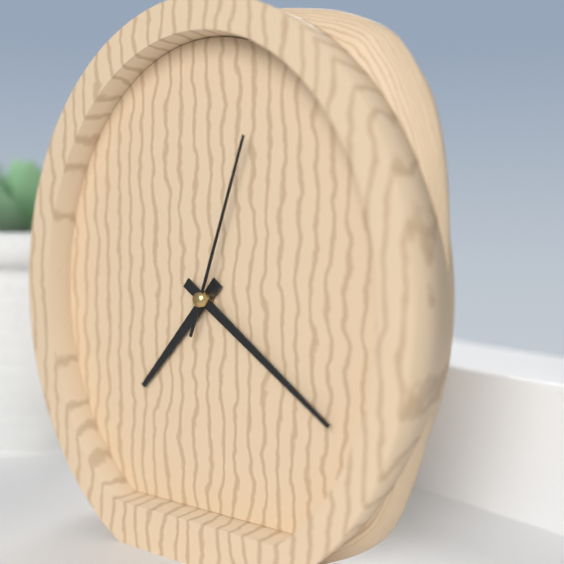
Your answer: 7 h 21 min 03 s
